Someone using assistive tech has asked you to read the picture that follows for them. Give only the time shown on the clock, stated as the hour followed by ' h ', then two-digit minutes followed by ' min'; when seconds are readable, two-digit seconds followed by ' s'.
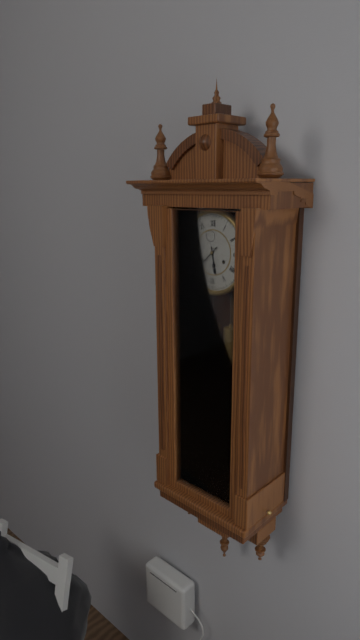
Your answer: 5 h 38 min
